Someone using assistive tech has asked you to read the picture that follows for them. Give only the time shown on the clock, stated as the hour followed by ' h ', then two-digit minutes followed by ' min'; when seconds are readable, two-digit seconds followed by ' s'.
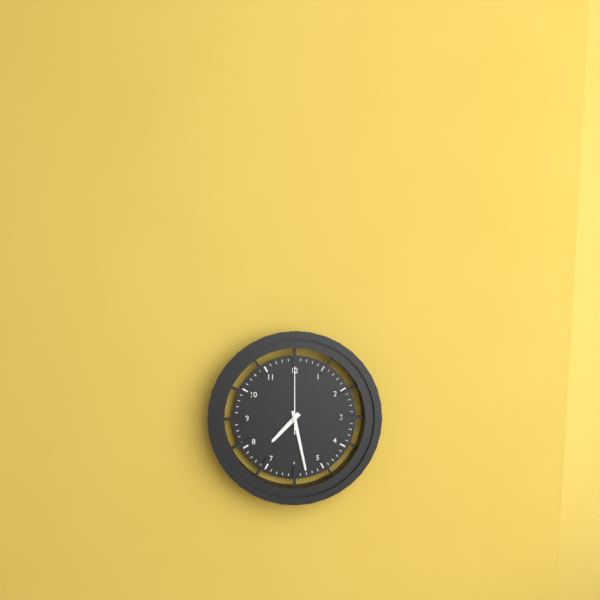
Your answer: 7 h 28 min 00 s
